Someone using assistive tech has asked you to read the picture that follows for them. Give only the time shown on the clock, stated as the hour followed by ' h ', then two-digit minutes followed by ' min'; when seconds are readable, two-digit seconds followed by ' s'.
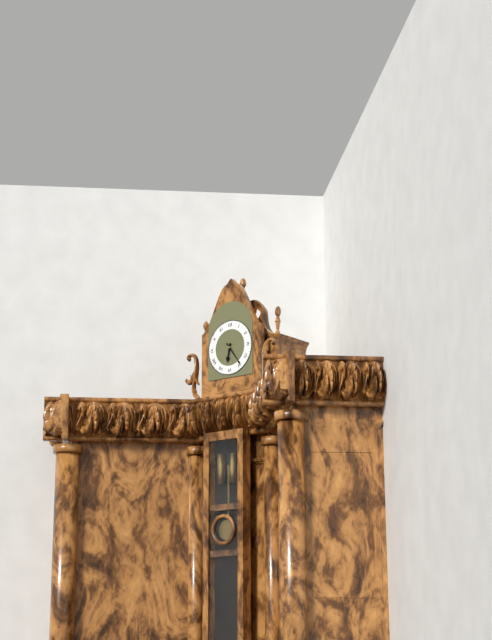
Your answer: 6 h 24 min
